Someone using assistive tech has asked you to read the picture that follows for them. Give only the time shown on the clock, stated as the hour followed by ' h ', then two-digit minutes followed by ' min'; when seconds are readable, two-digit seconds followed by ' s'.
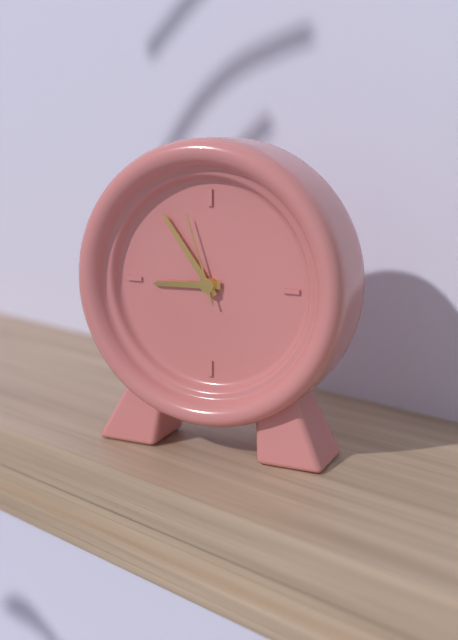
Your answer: 8 h 54 min 57 s
